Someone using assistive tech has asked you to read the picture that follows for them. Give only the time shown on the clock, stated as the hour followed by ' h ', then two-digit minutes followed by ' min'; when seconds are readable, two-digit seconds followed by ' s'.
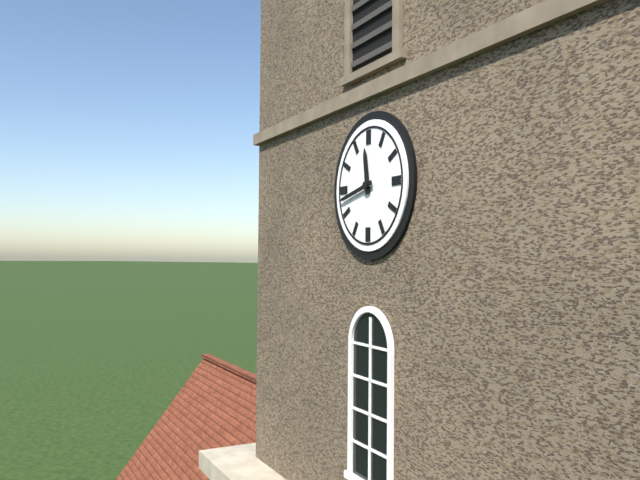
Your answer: 11 h 43 min
